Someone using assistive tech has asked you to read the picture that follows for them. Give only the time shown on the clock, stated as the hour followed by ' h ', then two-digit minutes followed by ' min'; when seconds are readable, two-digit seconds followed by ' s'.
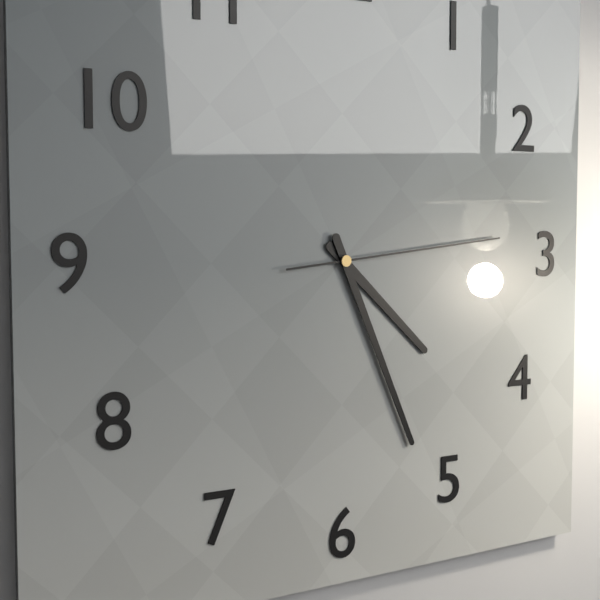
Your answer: 4 h 26 min 14 s
